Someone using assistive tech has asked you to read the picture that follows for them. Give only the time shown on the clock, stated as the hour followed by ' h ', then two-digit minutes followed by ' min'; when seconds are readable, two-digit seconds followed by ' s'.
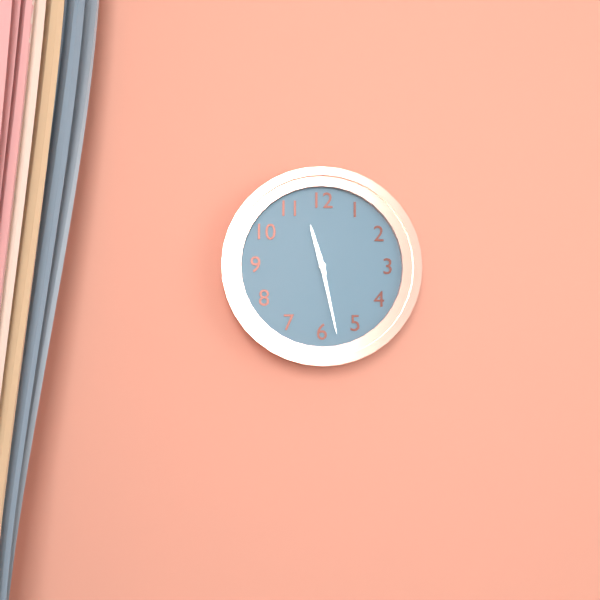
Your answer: 11 h 28 min
